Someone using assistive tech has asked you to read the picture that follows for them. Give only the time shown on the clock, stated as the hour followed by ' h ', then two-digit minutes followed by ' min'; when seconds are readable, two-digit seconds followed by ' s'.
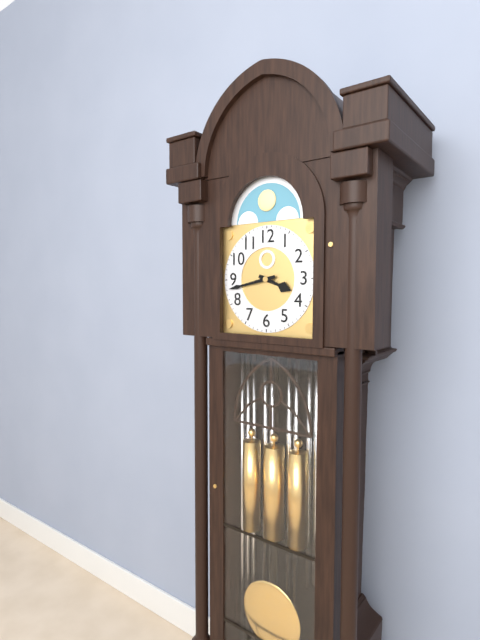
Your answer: 3 h 43 min
